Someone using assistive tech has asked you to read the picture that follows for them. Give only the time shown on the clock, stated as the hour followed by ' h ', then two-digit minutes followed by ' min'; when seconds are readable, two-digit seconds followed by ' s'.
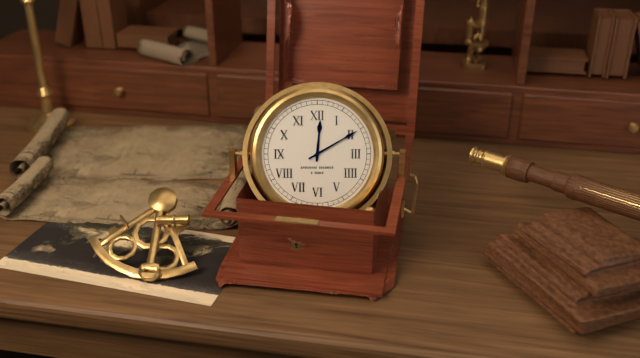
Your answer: 12 h 10 min
